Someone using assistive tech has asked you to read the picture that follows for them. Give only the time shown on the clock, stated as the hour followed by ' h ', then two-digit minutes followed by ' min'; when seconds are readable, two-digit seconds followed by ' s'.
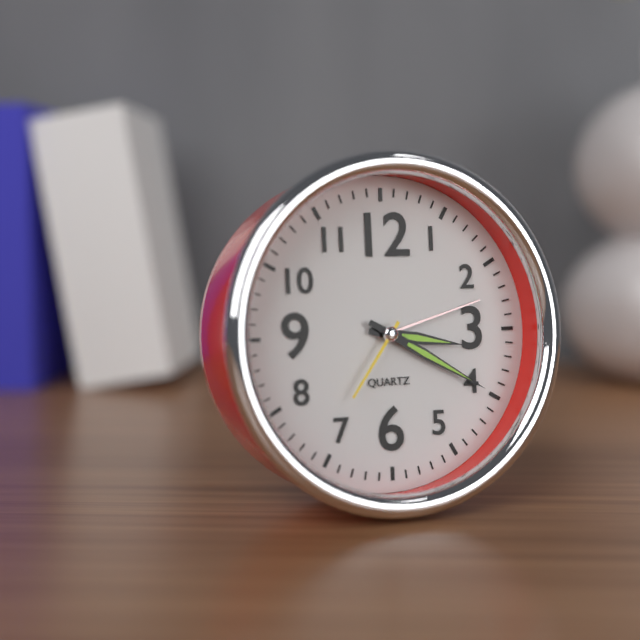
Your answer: 3 h 20 min 36 s
